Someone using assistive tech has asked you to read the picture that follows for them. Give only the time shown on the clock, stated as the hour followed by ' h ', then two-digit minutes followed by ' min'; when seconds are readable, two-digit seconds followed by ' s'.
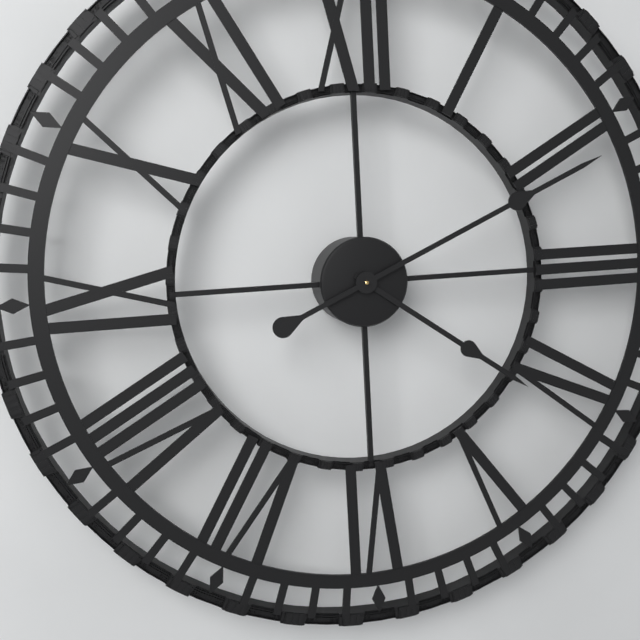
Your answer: 4 h 11 min
